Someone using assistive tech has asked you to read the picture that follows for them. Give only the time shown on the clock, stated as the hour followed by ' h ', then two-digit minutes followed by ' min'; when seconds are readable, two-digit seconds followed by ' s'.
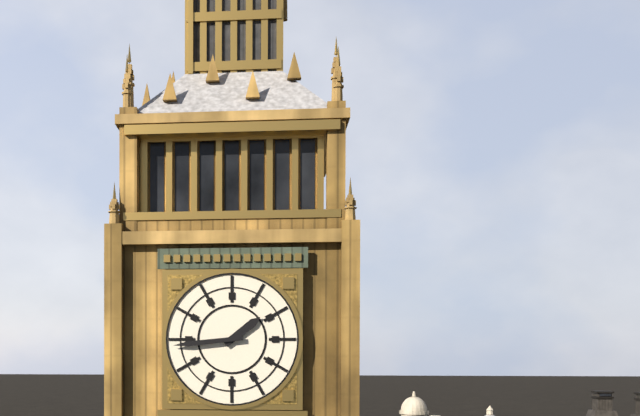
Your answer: 1 h 44 min
